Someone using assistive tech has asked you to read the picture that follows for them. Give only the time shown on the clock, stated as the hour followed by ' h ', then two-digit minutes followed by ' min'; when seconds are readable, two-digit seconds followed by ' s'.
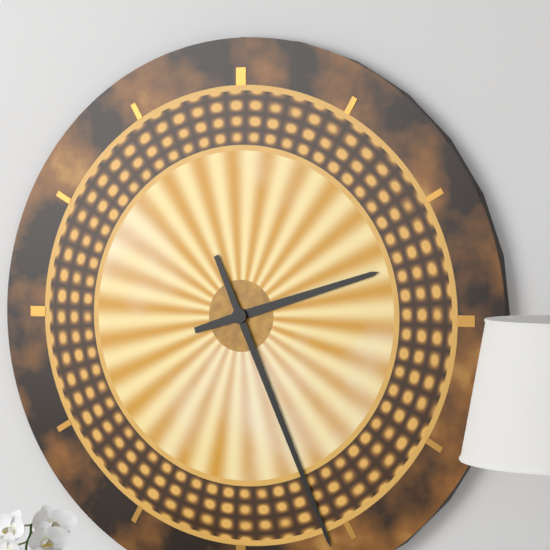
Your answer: 2 h 26 min
